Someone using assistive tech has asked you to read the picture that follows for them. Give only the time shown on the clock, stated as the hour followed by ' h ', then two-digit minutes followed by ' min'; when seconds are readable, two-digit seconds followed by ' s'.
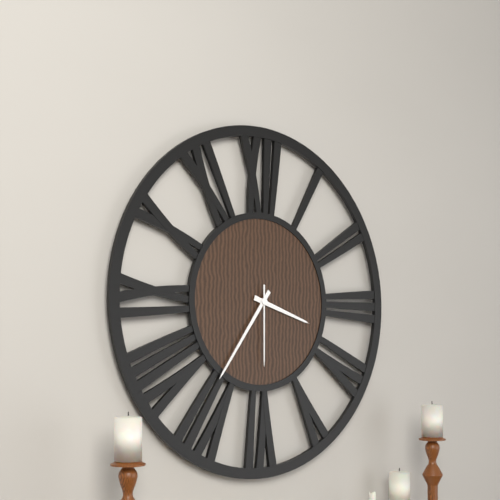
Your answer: 3 h 36 min 30 s
